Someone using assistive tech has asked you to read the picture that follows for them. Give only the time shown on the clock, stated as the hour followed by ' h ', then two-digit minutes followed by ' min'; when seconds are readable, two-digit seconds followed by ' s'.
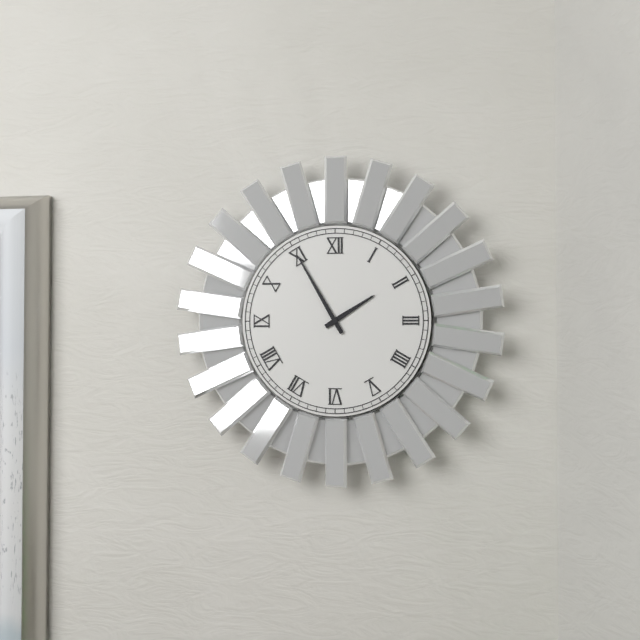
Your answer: 1 h 55 min
